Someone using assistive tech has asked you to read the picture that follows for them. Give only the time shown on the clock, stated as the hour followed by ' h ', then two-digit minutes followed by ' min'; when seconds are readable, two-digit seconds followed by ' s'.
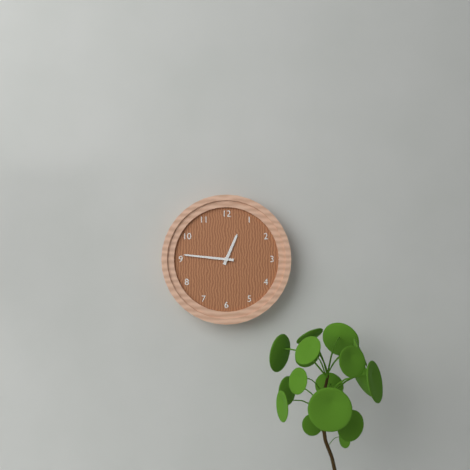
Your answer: 12 h 46 min
